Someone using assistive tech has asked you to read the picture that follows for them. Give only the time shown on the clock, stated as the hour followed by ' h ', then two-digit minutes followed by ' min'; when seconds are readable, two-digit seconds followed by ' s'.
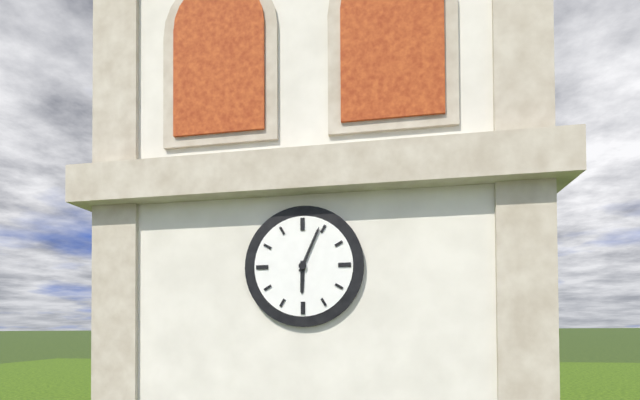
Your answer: 6 h 04 min
